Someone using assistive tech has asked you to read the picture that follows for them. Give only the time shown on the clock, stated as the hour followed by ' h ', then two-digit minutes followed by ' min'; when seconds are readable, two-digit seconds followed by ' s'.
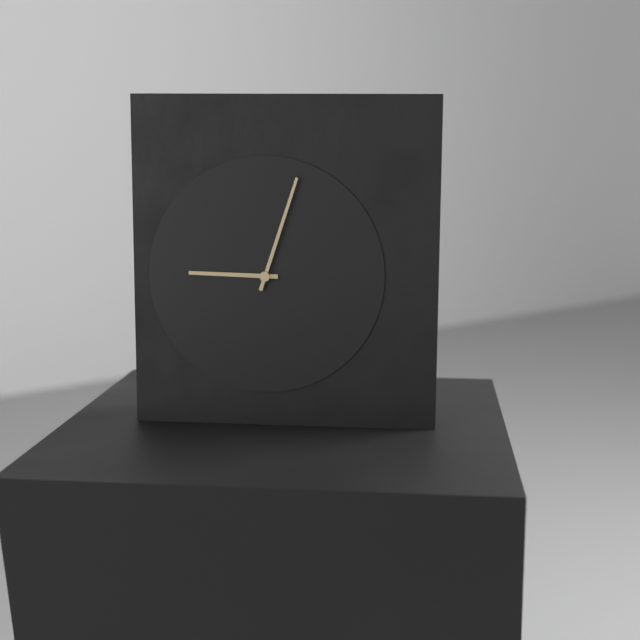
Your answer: 9 h 03 min
